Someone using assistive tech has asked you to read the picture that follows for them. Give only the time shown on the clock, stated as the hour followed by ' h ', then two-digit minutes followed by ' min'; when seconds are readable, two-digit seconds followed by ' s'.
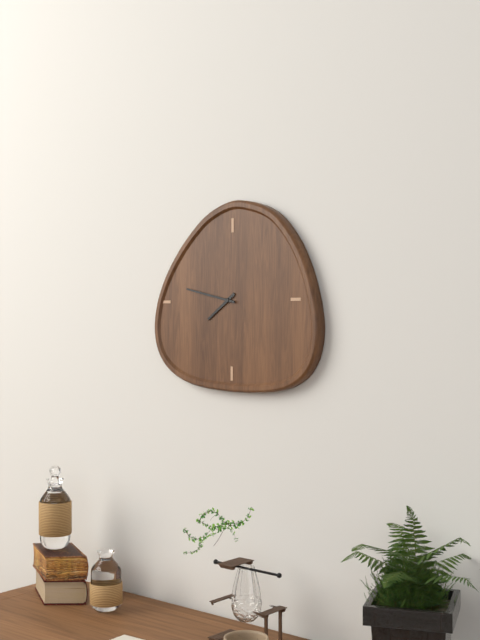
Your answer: 7 h 47 min
